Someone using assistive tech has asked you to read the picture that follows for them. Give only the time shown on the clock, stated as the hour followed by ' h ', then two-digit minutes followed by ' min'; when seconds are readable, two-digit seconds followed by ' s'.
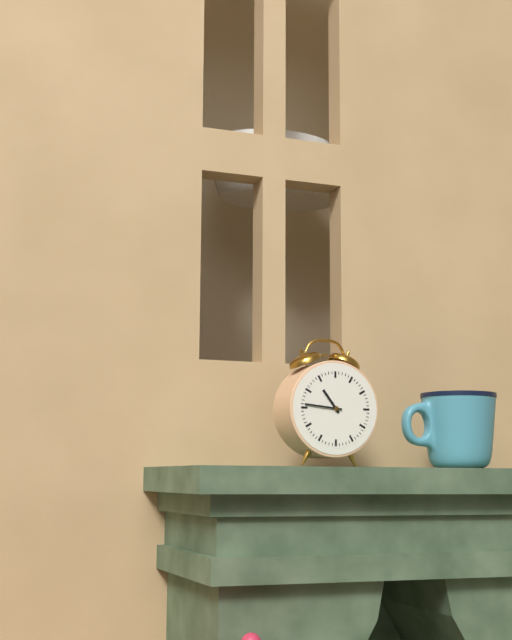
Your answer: 10 h 46 min
